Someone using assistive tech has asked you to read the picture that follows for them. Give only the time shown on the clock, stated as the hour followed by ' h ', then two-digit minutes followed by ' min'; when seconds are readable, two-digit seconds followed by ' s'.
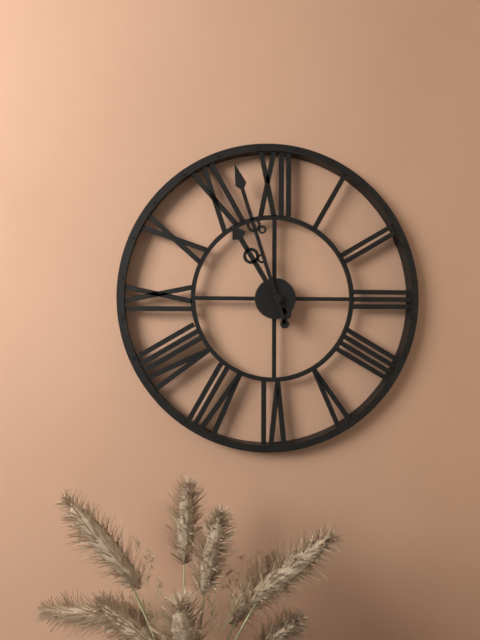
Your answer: 10 h 57 min
